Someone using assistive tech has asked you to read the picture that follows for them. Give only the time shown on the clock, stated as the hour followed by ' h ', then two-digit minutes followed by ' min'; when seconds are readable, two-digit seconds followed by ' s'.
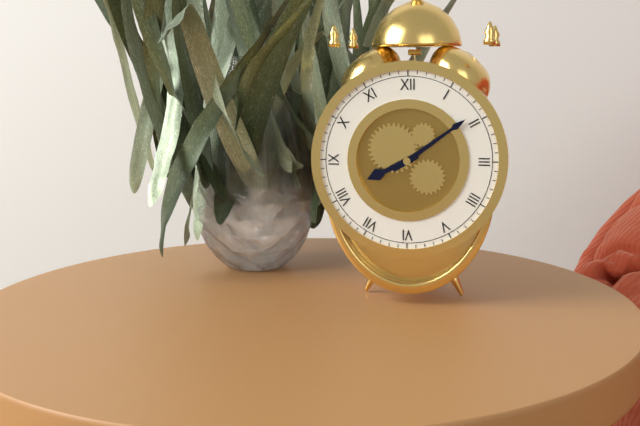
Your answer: 8 h 09 min
